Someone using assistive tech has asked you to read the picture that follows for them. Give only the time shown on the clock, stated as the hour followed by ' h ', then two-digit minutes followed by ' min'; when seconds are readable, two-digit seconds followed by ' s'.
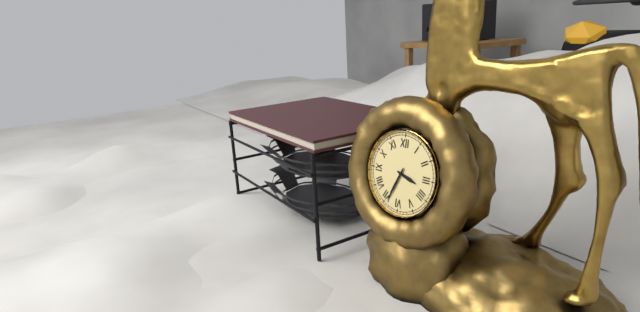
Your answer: 3 h 34 min
